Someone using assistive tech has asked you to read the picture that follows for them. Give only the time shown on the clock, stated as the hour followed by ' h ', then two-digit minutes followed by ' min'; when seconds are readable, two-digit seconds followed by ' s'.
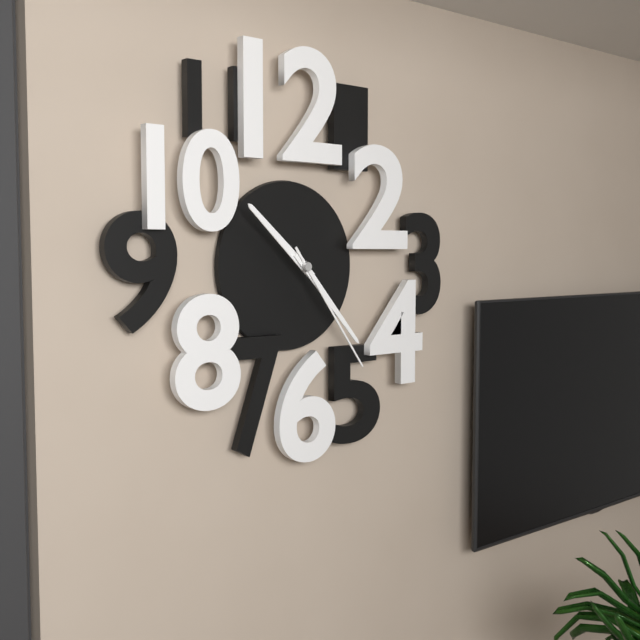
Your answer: 10 h 23 min 24 s
